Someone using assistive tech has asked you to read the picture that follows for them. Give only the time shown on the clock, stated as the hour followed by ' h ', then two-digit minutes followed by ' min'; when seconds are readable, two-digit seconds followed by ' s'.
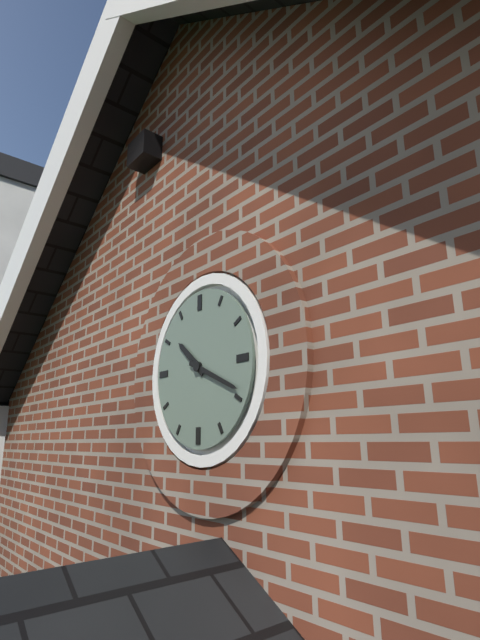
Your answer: 10 h 19 min
